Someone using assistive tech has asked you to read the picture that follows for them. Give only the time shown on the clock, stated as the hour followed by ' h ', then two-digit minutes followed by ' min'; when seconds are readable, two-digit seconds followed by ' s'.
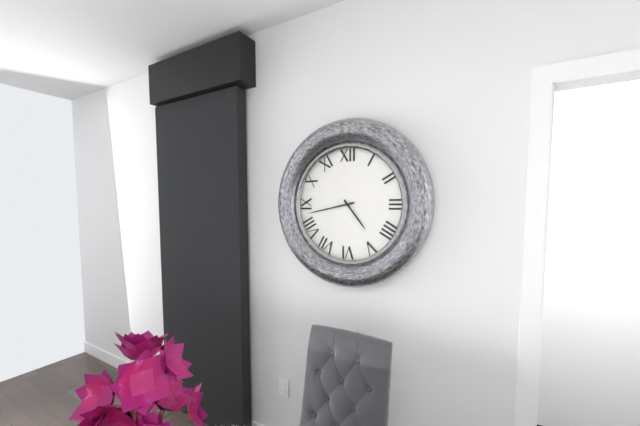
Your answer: 4 h 43 min
